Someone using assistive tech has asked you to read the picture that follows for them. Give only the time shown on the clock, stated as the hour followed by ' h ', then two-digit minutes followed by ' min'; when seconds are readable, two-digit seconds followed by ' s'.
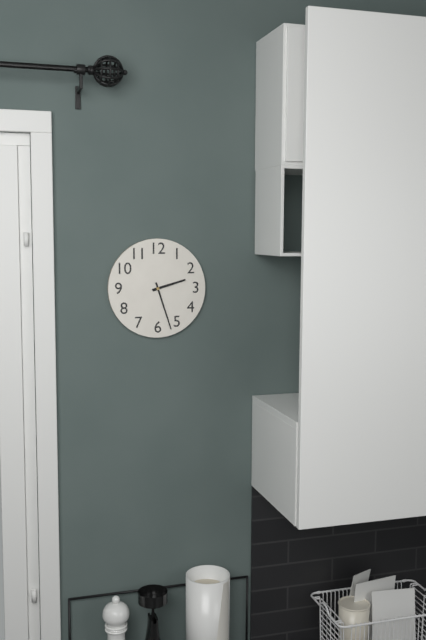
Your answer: 2 h 27 min
